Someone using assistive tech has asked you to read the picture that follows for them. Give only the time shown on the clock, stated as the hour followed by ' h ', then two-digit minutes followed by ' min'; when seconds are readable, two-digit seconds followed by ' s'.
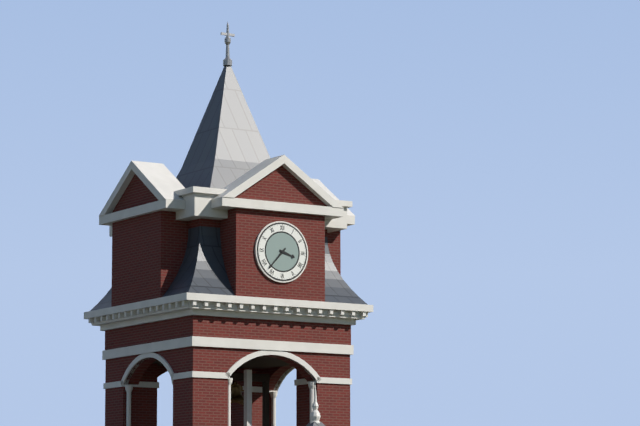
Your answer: 3 h 37 min
